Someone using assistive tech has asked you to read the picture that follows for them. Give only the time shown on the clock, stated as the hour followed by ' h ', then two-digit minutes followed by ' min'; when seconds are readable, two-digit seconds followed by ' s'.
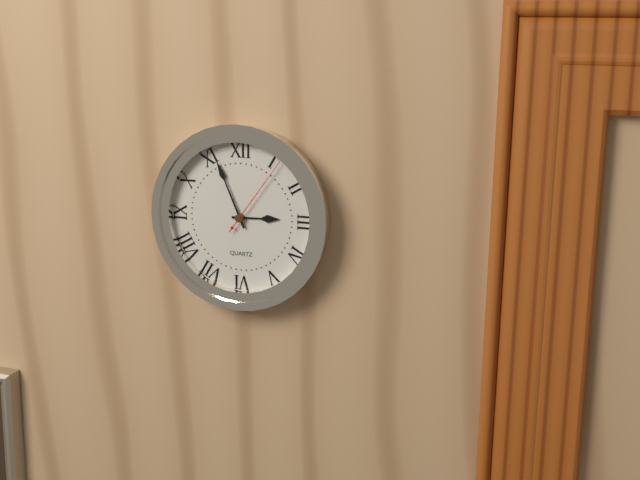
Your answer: 2 h 56 min 06 s
